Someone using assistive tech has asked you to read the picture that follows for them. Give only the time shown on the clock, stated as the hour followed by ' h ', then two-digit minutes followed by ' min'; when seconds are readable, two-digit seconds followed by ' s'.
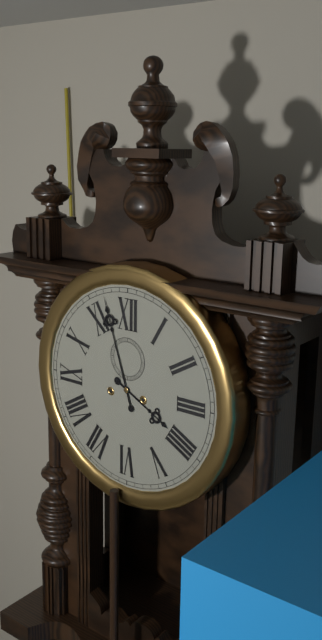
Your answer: 3 h 57 min
